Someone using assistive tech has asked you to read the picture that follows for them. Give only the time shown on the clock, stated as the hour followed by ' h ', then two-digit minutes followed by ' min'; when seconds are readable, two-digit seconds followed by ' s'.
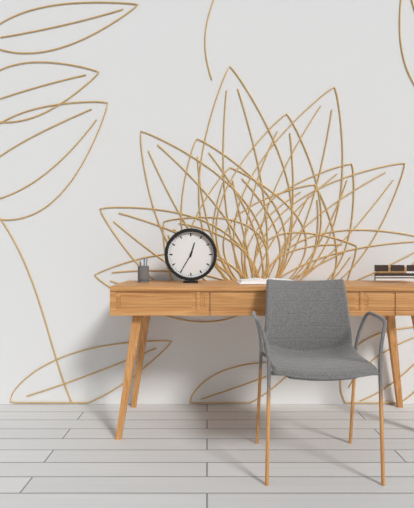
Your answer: 12 h 35 min
